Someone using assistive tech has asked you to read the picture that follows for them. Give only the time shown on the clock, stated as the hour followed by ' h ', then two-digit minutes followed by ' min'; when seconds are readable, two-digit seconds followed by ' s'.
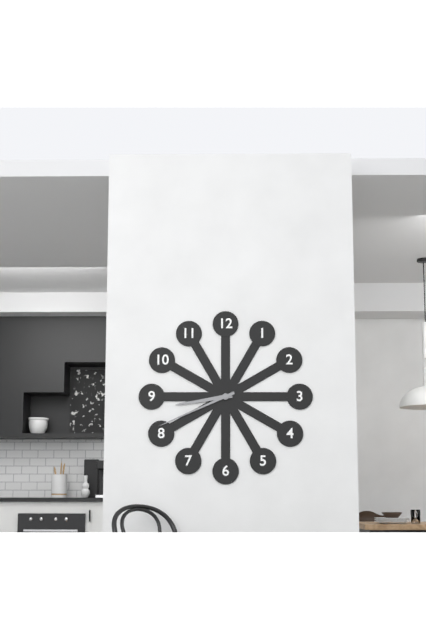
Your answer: 8 h 41 min
